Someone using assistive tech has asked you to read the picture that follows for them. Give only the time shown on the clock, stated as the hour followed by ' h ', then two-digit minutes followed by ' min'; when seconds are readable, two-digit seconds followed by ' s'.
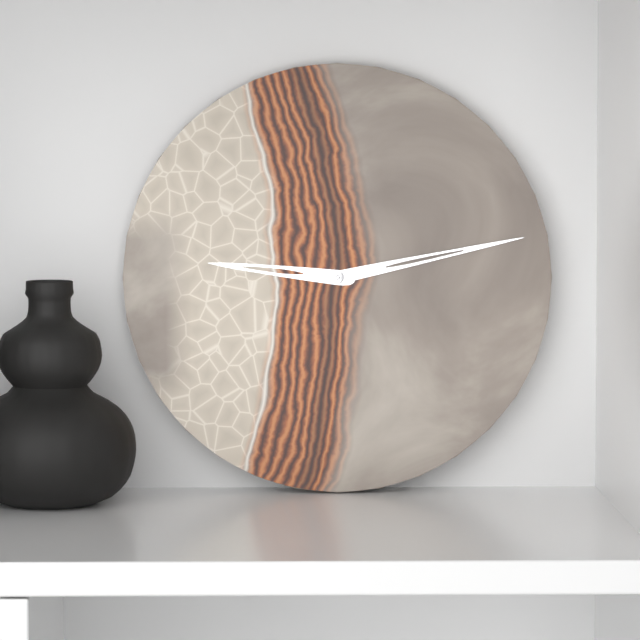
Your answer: 9 h 13 min
